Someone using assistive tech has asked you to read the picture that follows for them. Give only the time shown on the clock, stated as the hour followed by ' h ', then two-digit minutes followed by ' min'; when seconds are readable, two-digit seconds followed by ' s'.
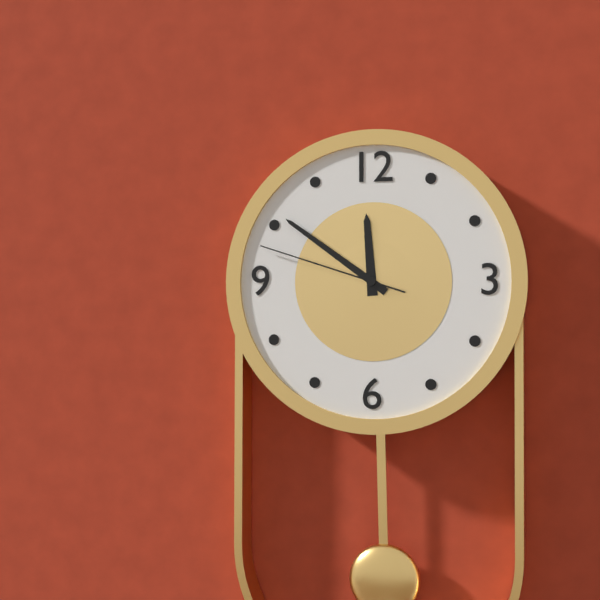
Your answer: 11 h 51 min 48 s
